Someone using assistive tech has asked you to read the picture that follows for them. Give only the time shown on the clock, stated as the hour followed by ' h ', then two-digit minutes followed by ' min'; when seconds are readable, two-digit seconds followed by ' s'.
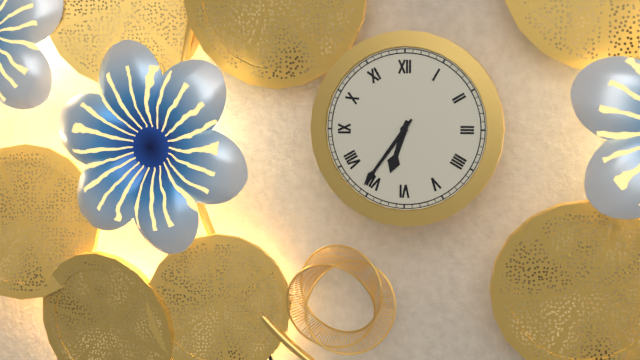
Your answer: 6 h 36 min
